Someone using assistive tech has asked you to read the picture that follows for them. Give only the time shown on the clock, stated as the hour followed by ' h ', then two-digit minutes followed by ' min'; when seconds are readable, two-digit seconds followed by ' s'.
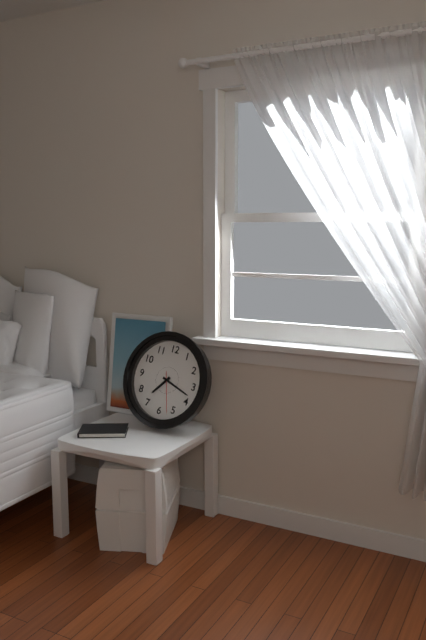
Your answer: 7 h 18 min
